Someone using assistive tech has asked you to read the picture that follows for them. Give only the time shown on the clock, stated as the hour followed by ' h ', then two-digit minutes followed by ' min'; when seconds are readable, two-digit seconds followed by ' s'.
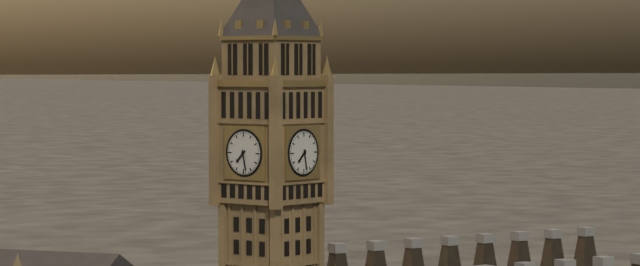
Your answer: 7 h 28 min
